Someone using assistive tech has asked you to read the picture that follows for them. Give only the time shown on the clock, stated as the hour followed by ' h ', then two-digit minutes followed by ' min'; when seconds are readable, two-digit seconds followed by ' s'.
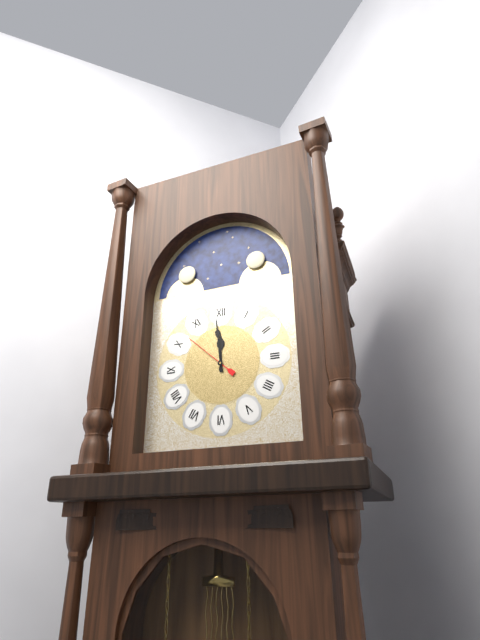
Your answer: 11 h 59 min 52 s
